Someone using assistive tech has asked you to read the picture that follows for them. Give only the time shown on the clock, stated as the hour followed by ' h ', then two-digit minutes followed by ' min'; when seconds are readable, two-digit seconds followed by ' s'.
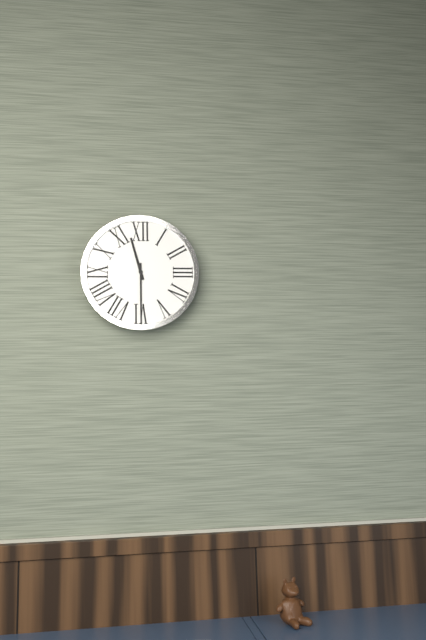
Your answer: 11 h 30 min
